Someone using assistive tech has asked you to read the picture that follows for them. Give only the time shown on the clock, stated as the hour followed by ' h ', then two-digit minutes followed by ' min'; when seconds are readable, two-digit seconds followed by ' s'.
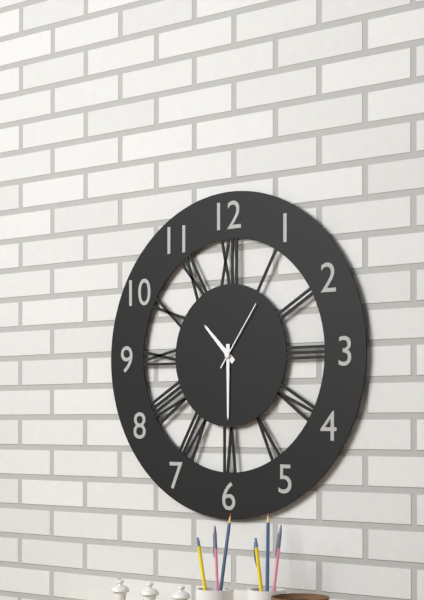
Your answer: 10 h 30 min 06 s
